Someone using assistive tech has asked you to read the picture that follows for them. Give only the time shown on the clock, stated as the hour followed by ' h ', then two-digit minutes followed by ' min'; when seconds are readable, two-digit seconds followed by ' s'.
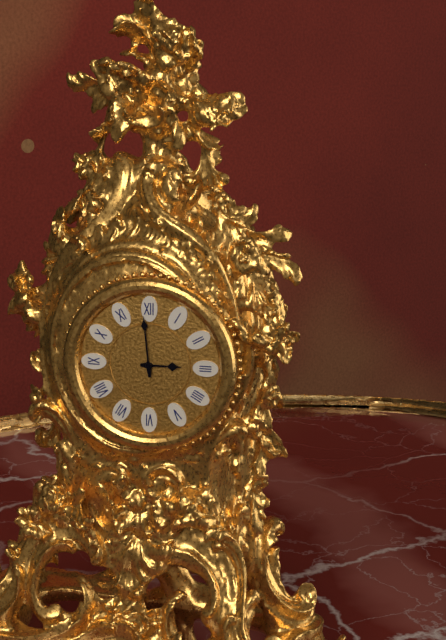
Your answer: 2 h 59 min
